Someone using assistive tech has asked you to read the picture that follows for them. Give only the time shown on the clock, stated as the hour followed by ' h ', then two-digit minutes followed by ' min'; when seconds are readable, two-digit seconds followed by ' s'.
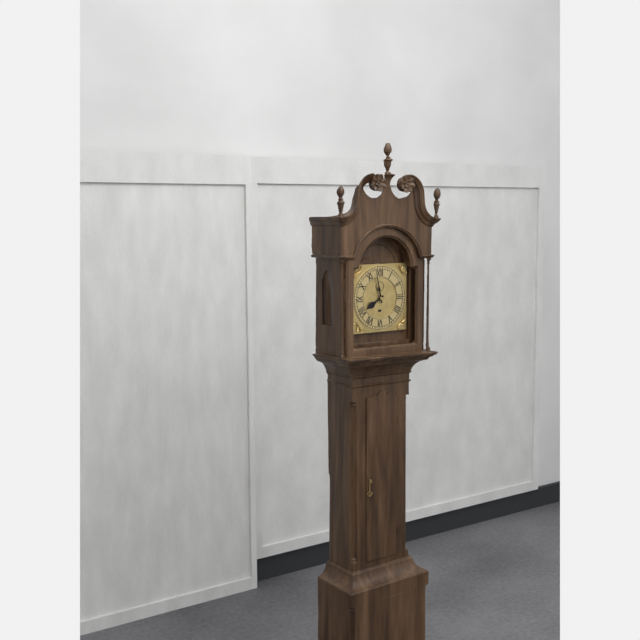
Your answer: 7 h 58 min
